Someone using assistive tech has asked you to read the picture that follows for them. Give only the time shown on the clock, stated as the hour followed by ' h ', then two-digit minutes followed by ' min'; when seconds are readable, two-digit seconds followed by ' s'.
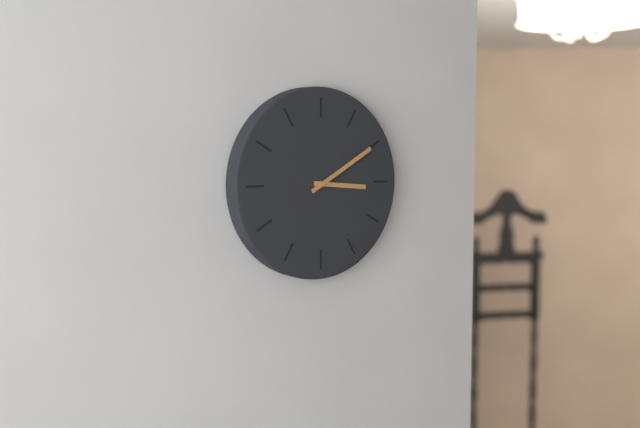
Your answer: 3 h 10 min
